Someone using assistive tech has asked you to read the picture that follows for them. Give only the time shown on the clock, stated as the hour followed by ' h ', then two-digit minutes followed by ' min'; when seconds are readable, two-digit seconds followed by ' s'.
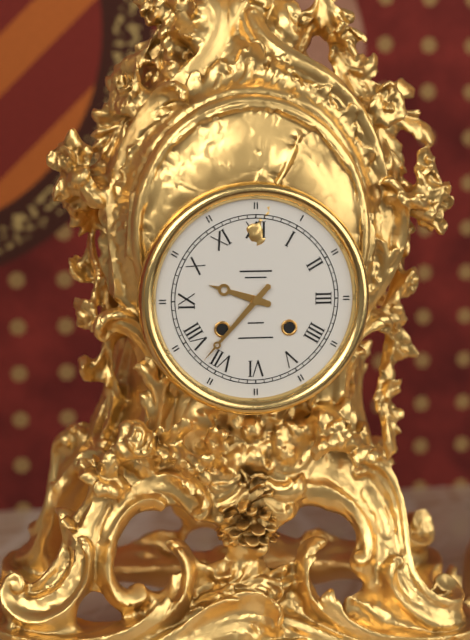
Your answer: 9 h 37 min
